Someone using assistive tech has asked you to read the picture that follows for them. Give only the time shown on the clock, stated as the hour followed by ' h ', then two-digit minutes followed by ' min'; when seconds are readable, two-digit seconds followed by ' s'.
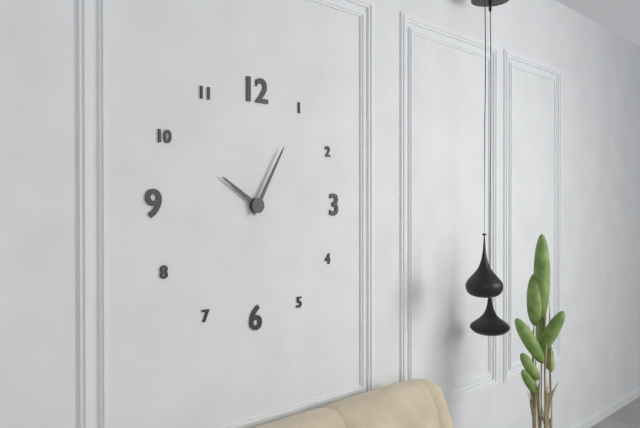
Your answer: 10 h 05 min
